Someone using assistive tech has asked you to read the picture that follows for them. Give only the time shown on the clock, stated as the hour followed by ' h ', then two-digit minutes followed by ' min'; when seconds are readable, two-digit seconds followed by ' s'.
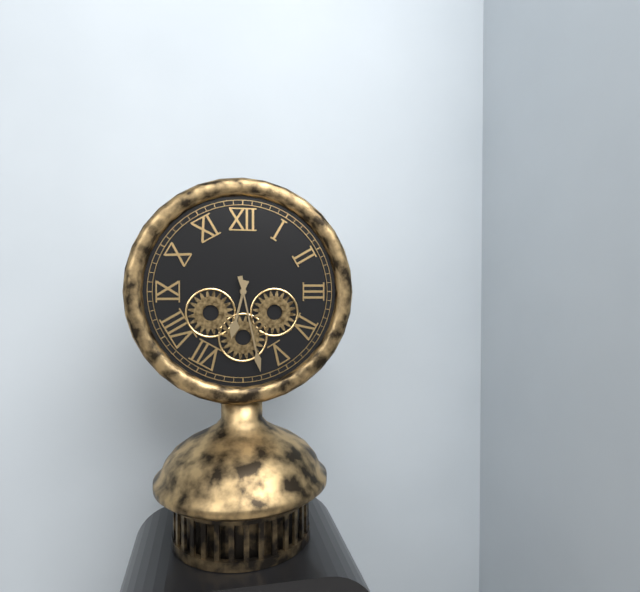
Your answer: 6 h 28 min
